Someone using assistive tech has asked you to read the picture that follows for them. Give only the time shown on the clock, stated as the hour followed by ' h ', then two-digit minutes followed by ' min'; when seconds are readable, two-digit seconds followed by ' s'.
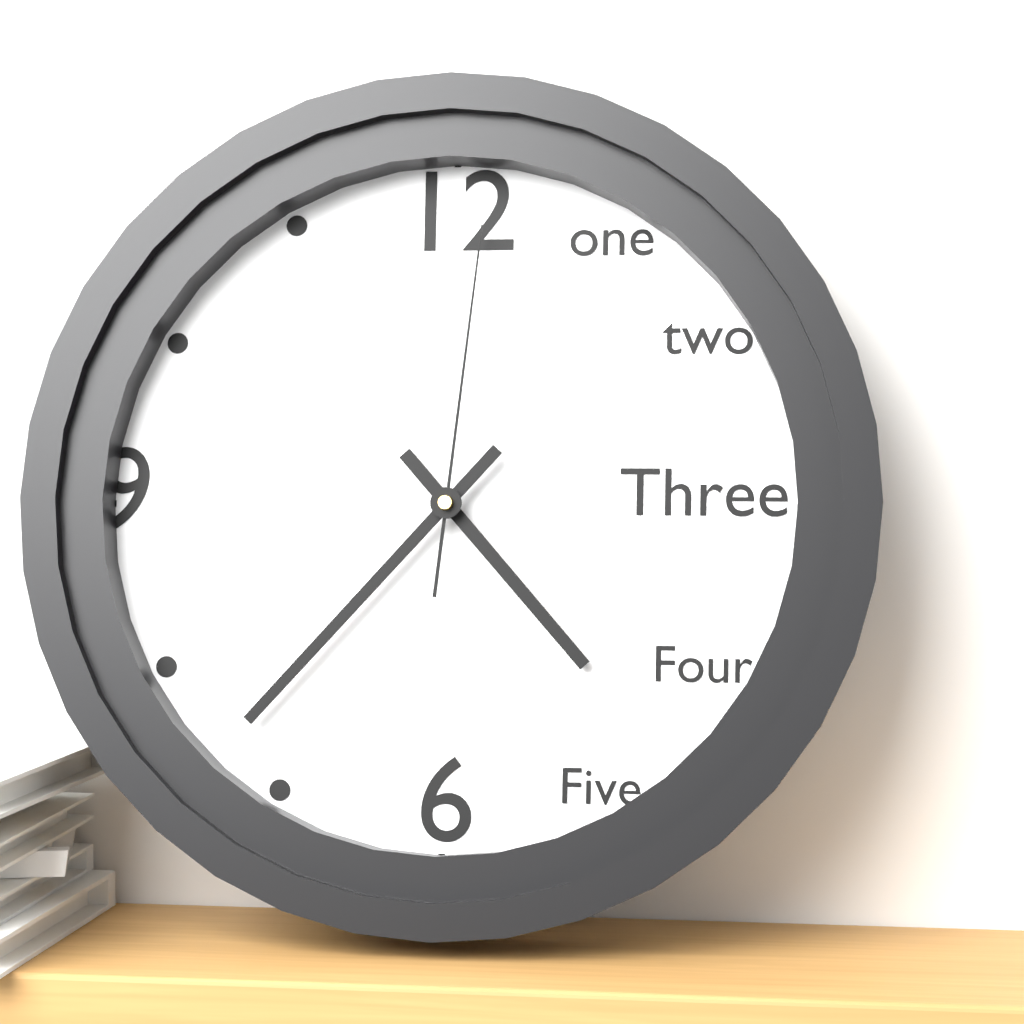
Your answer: 4 h 37 min 01 s
